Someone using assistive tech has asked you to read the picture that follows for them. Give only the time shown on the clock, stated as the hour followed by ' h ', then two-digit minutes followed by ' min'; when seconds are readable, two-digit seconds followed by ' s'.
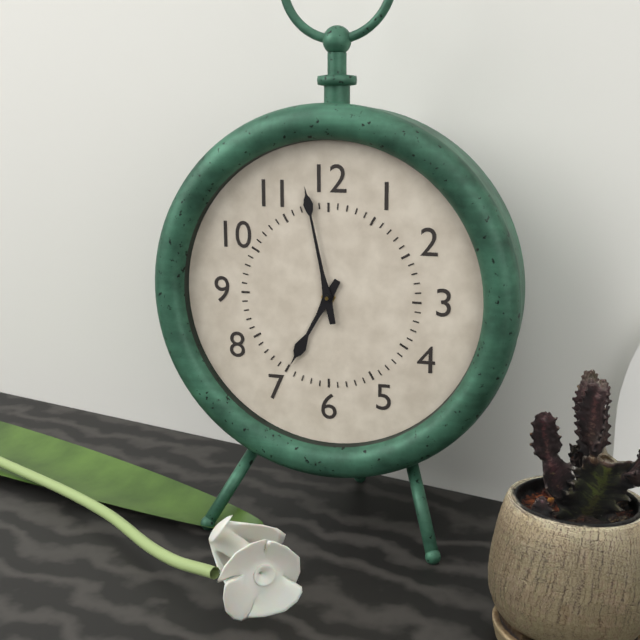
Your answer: 6 h 58 min
